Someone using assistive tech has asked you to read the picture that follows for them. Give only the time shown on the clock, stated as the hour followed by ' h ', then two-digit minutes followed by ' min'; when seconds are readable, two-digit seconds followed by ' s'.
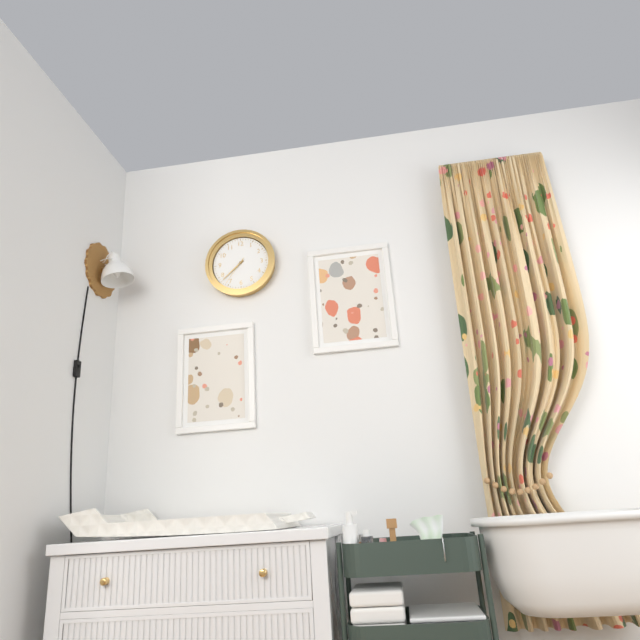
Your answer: 7 h 38 min
